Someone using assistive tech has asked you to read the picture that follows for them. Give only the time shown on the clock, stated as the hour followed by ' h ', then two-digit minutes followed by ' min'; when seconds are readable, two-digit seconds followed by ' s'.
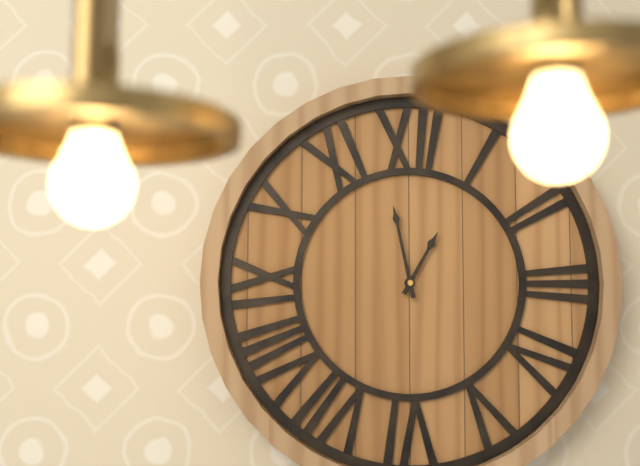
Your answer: 12 h 58 min
